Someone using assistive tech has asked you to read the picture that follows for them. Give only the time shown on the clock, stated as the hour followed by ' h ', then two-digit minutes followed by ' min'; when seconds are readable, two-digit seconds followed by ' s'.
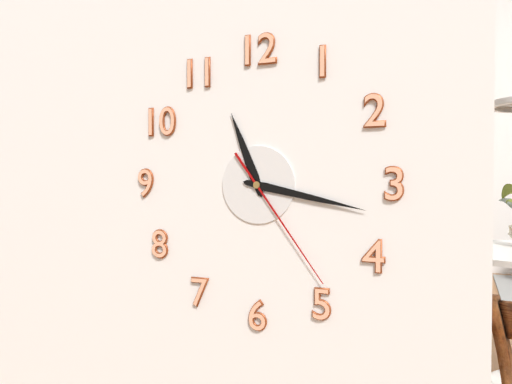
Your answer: 11 h 17 min 24 s
